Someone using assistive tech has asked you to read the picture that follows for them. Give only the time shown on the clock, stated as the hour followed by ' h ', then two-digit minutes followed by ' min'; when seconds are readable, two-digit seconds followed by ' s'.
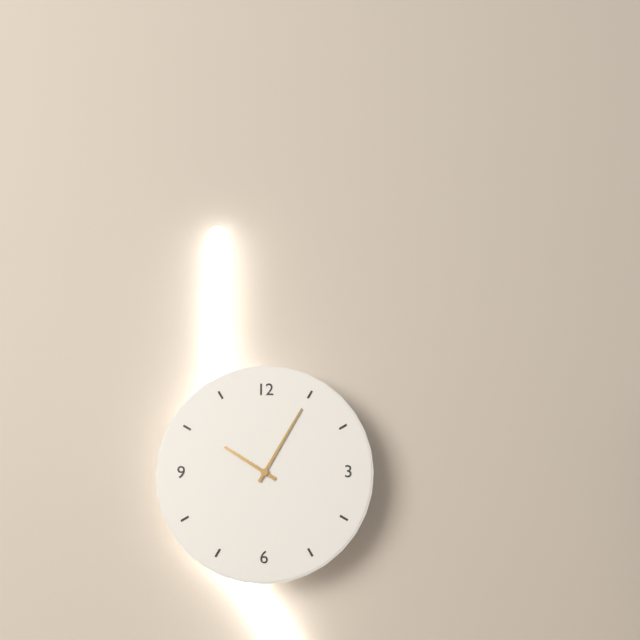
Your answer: 10 h 05 min
